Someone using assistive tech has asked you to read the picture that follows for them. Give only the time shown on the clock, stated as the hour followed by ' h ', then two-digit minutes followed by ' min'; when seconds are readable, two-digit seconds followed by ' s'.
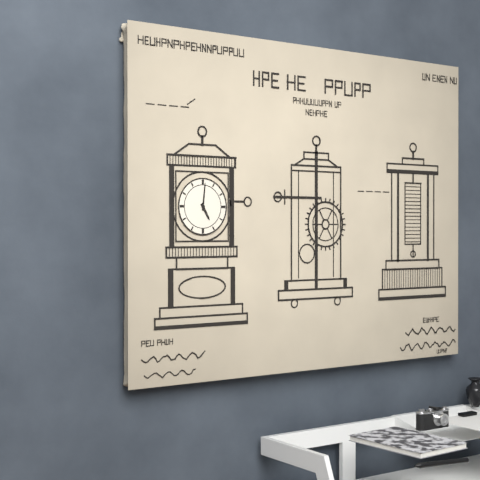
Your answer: 5 h 01 min
